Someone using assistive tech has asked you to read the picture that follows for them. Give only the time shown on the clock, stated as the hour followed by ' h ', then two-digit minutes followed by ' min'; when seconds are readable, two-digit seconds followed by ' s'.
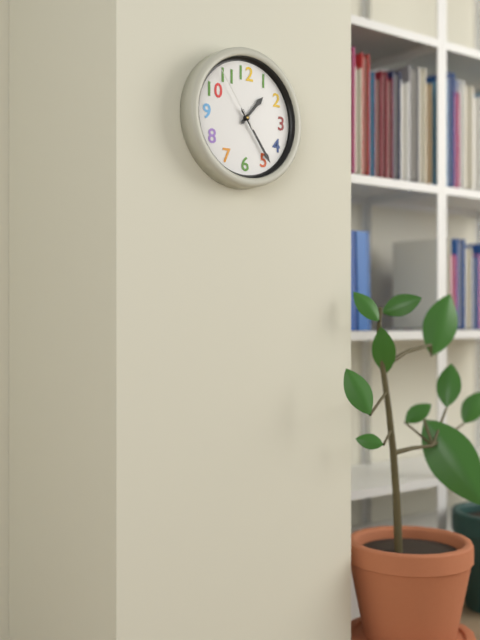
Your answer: 1 h 24 min 54 s
